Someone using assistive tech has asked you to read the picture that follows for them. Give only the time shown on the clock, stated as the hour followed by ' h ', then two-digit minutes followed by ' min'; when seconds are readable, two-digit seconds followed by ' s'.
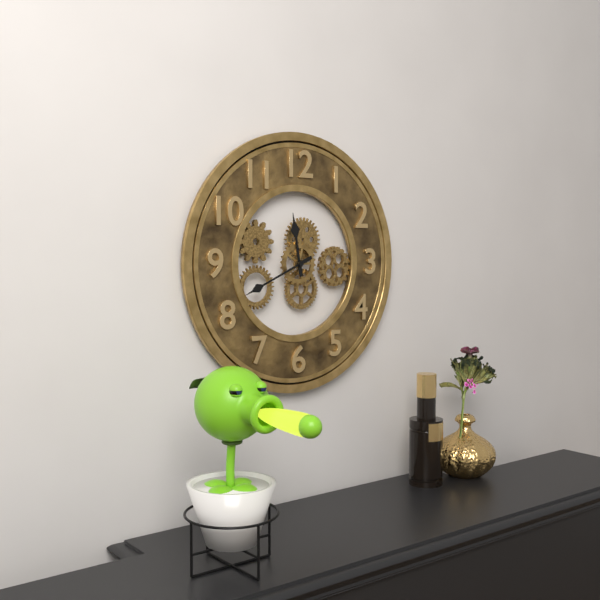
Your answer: 11 h 41 min
